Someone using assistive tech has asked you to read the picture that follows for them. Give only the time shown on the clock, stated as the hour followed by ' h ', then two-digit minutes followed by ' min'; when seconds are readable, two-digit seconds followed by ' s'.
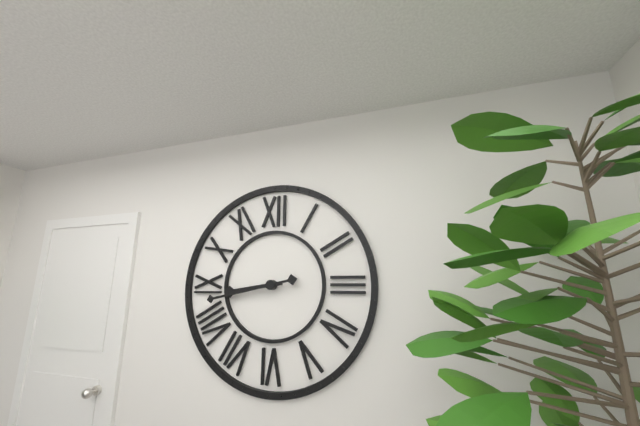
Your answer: 8 h 43 min
